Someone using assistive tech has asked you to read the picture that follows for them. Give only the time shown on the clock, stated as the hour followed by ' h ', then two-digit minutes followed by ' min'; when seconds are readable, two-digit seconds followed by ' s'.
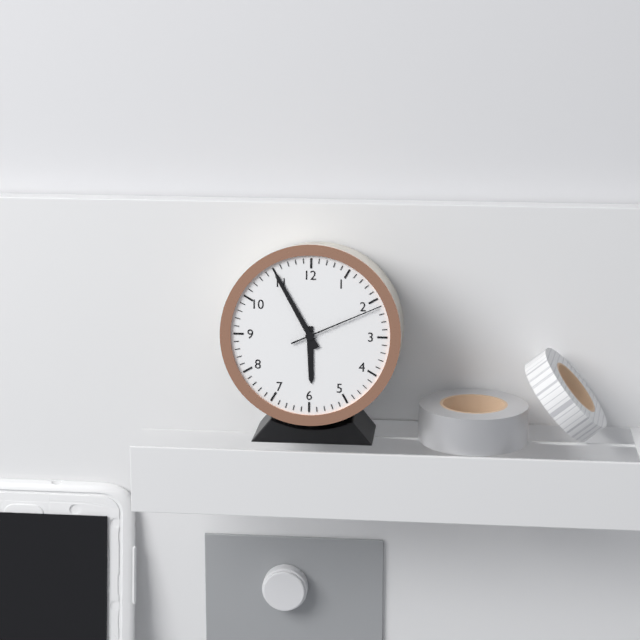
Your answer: 5 h 55 min 11 s
